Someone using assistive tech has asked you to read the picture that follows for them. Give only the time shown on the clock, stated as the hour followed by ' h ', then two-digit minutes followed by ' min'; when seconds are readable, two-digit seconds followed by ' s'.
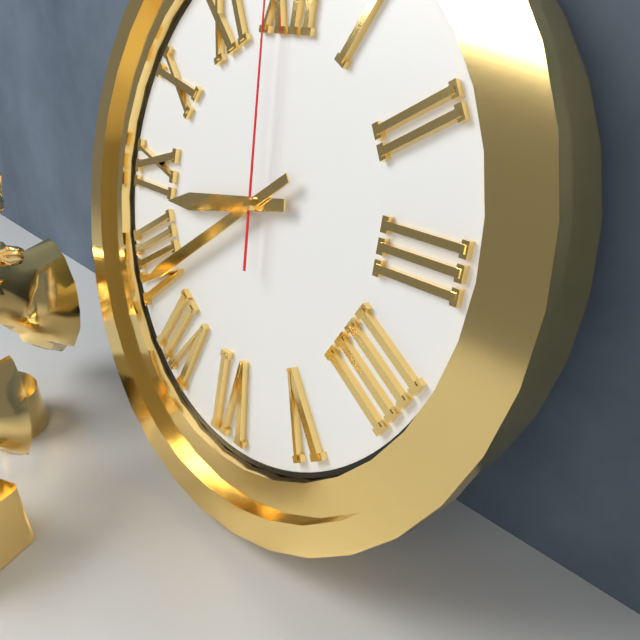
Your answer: 8 h 39 min
